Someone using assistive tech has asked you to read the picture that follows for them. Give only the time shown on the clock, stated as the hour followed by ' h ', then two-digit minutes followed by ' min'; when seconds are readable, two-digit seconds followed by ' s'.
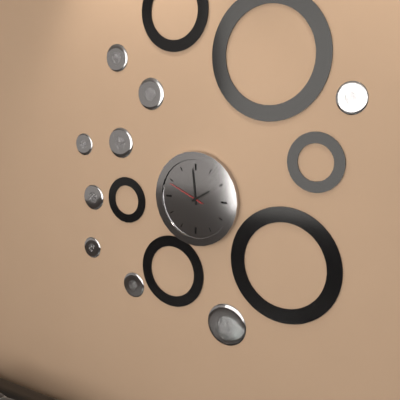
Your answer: 1 h 59 min
